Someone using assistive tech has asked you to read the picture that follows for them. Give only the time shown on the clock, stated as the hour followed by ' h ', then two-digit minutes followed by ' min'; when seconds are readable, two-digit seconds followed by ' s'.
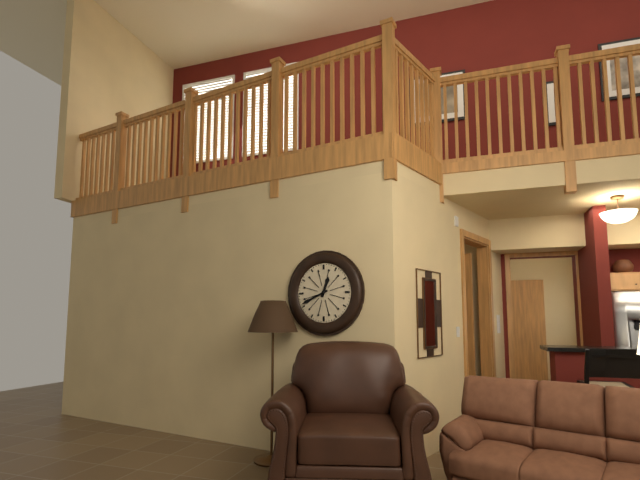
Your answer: 12 h 41 min
